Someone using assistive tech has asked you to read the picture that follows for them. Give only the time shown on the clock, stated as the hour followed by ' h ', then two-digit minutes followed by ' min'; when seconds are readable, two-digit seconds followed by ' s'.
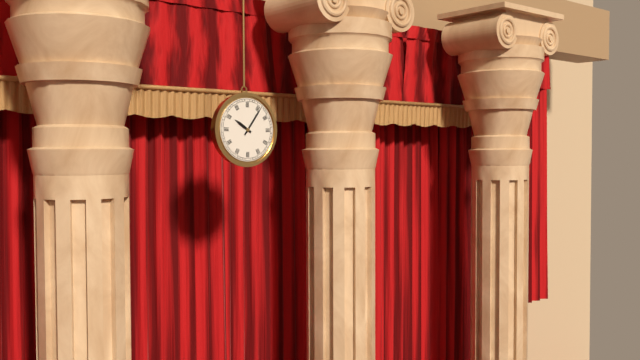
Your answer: 10 h 06 min
